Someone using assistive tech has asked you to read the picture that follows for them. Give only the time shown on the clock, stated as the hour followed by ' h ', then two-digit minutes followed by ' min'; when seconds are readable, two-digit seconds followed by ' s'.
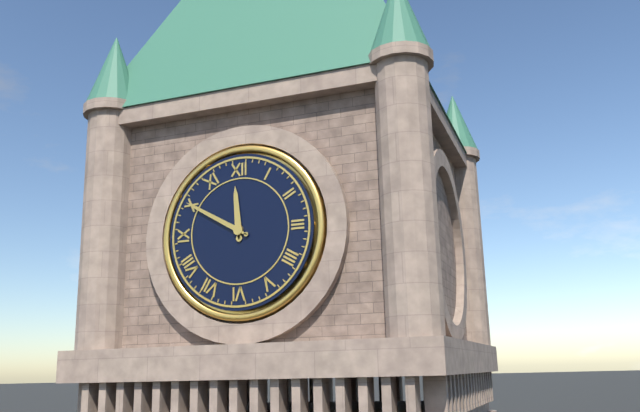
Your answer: 11 h 50 min
